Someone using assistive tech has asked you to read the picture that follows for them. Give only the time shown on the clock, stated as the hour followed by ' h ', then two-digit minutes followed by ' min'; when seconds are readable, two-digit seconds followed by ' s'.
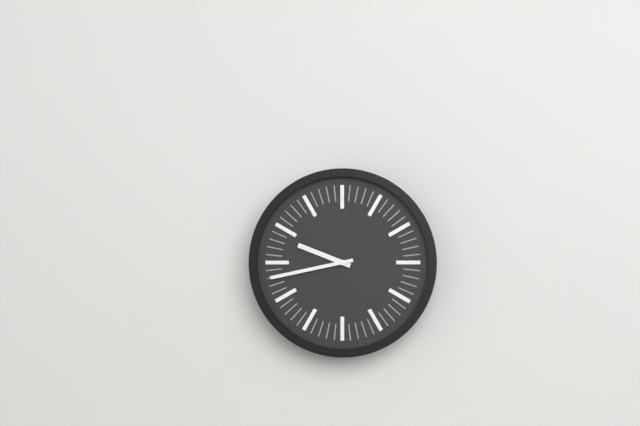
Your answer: 9 h 43 min
